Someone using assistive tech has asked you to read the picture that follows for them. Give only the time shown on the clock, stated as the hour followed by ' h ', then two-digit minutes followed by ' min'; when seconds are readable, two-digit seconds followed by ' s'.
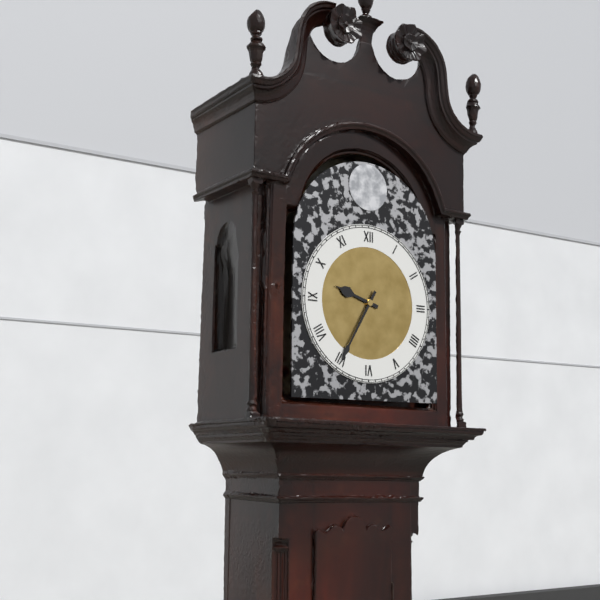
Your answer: 9 h 35 min
